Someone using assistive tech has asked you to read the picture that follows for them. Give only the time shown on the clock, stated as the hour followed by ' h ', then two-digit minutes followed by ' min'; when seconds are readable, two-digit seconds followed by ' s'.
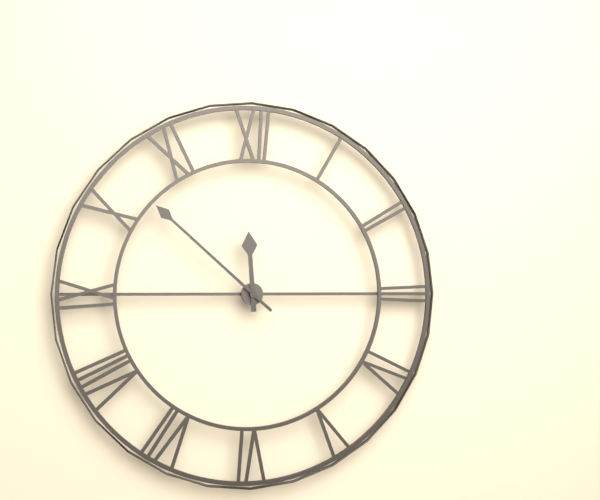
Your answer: 11 h 52 min
